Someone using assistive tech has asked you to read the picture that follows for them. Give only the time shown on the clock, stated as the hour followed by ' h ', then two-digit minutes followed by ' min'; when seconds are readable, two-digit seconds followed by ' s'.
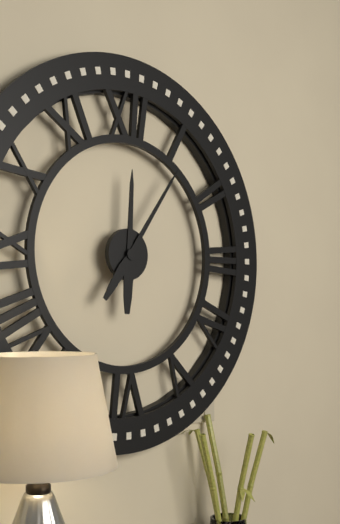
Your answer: 12 h 06 min
